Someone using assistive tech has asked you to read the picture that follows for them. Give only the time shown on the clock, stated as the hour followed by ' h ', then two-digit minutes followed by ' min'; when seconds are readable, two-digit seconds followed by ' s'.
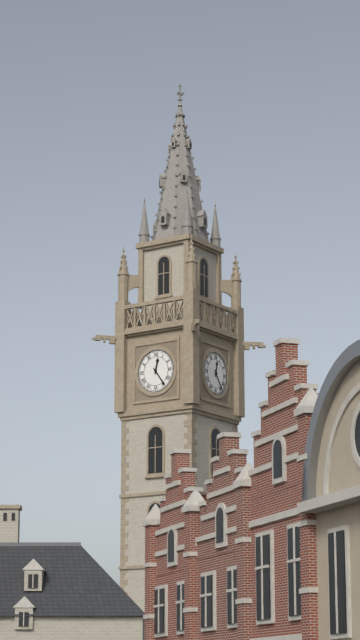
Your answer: 12 h 24 min
